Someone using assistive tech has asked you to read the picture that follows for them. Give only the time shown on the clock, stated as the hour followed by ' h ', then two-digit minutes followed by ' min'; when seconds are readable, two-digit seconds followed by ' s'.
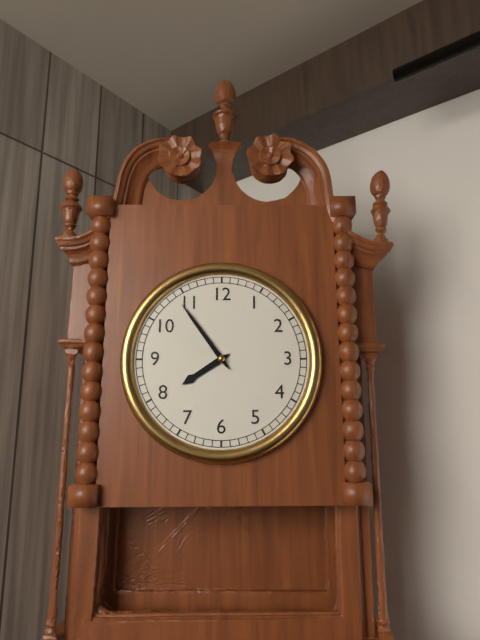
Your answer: 7 h 54 min
